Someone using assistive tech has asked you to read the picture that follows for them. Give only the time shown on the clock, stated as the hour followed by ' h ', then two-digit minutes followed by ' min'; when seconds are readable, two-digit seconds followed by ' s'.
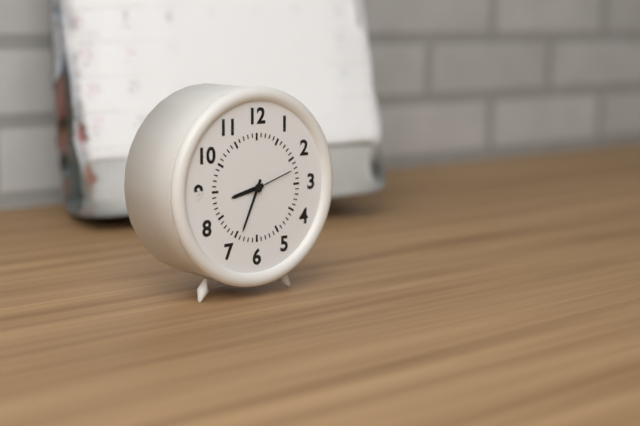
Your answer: 8 h 34 min
